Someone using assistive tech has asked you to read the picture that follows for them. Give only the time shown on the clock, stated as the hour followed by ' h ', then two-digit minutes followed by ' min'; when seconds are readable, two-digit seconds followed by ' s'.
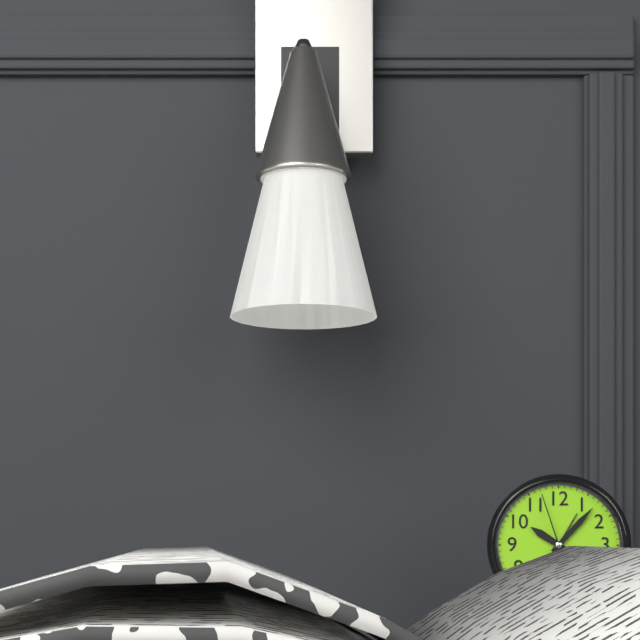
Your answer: 10 h 07 min 57 s
